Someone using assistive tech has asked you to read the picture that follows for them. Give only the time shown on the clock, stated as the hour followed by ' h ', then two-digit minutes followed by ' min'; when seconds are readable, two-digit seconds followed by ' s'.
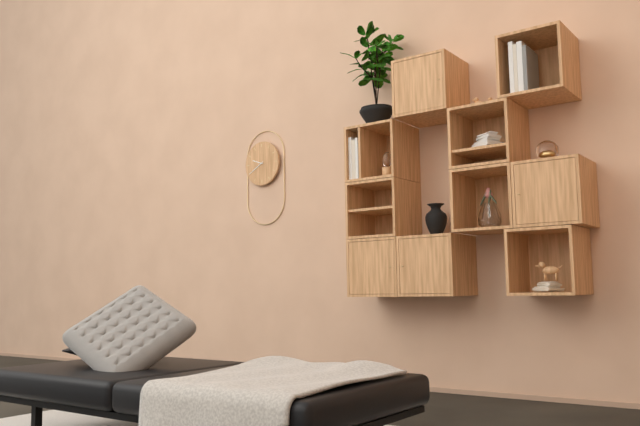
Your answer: 9 h 40 min
